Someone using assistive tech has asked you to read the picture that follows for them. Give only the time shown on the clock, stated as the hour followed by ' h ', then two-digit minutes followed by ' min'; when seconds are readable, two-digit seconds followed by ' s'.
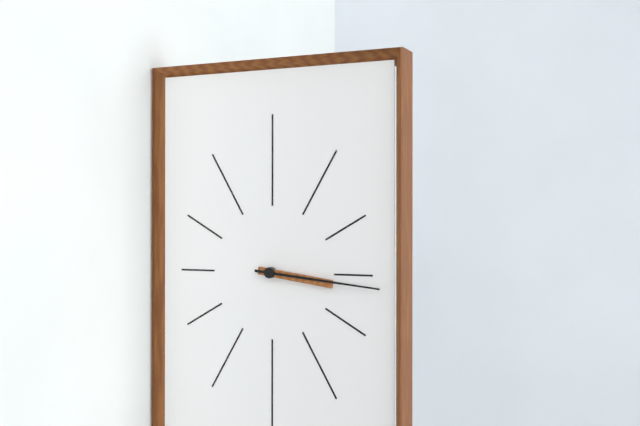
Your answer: 3 h 16 min
